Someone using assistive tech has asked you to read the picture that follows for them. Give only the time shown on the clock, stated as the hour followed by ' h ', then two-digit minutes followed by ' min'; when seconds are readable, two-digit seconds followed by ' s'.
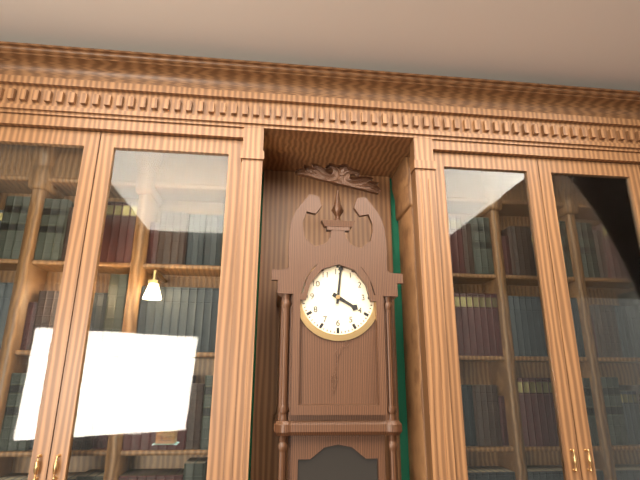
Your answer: 4 h 01 min
